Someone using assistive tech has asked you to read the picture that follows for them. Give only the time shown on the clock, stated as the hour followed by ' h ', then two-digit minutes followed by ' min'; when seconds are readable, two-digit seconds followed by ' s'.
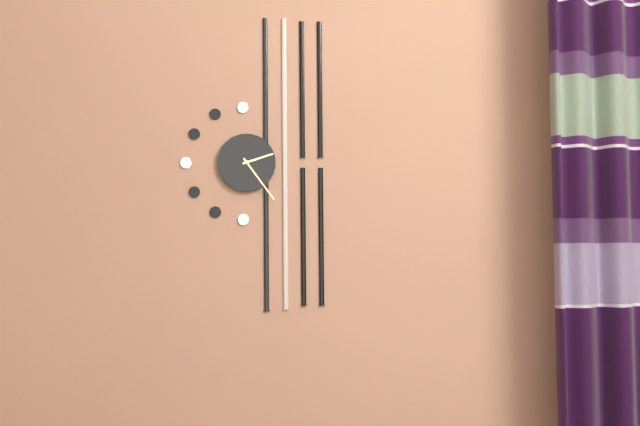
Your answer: 2 h 24 min
